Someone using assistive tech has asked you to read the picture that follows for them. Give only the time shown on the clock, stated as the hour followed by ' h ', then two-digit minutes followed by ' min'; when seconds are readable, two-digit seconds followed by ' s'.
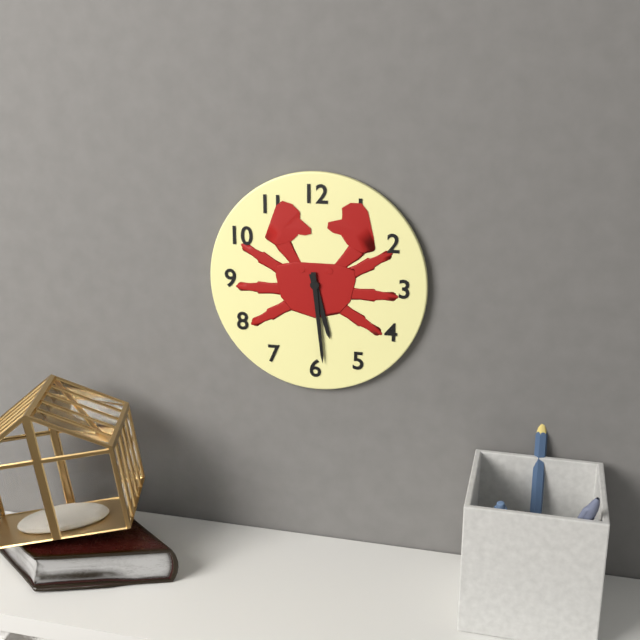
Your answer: 5 h 29 min
